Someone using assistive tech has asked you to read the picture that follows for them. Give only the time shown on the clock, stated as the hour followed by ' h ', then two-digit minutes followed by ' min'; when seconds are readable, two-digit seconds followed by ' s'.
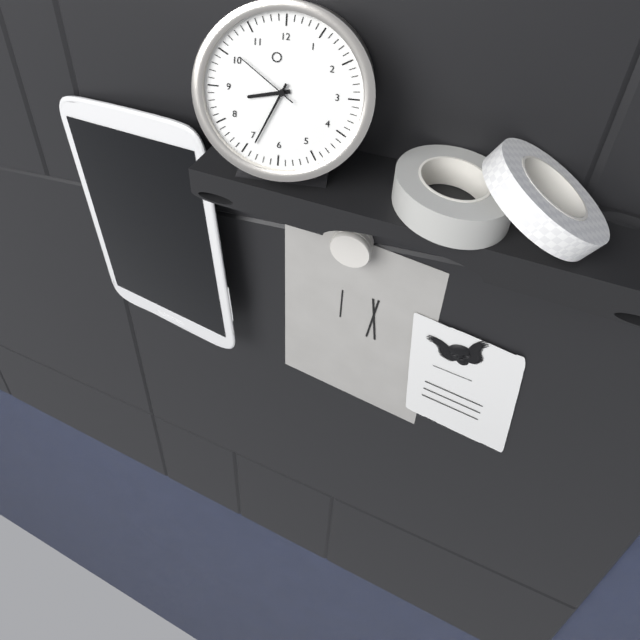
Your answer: 8 h 34 min 51 s
